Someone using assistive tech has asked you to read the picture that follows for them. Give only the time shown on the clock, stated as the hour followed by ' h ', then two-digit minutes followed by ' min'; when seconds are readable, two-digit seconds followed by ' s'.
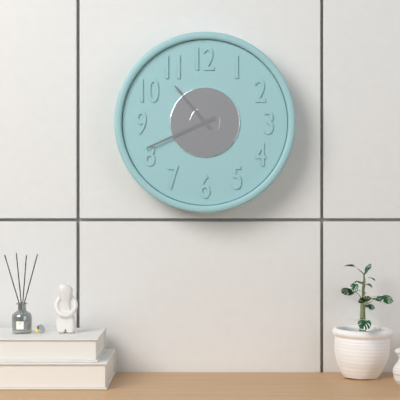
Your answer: 10 h 41 min
